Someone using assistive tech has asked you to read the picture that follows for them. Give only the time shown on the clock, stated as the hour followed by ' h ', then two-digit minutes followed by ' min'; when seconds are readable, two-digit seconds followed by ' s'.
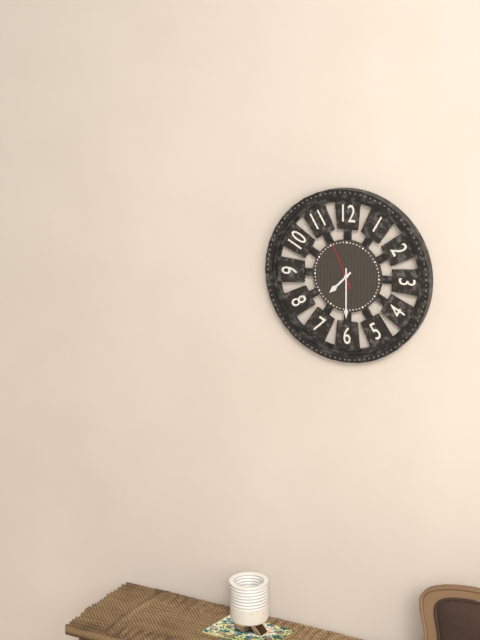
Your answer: 7 h 30 min
